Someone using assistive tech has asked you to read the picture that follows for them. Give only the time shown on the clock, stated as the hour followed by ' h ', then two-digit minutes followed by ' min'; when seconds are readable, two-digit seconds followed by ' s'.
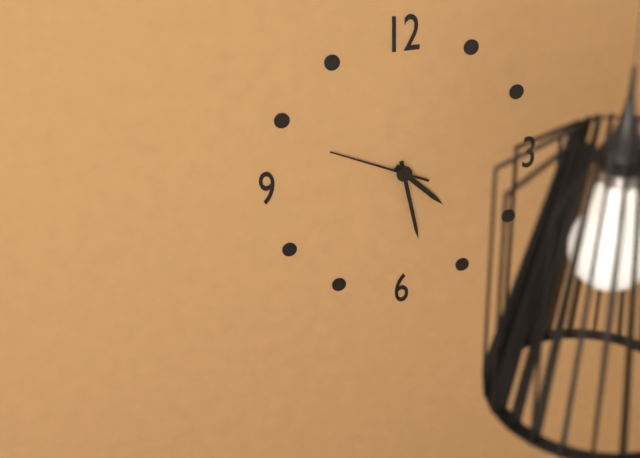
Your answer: 4 h 28 min 49 s
